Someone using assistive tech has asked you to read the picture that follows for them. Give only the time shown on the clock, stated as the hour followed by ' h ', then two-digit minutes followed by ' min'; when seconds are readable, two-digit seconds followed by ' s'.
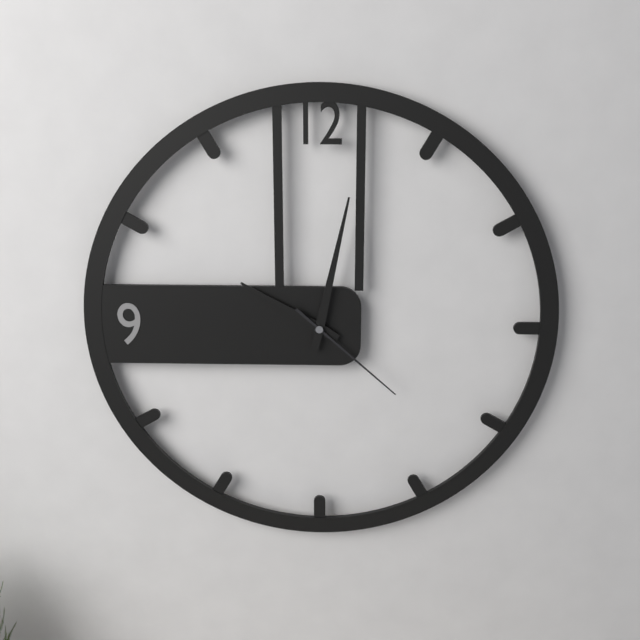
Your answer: 10 h 02 min 22 s
